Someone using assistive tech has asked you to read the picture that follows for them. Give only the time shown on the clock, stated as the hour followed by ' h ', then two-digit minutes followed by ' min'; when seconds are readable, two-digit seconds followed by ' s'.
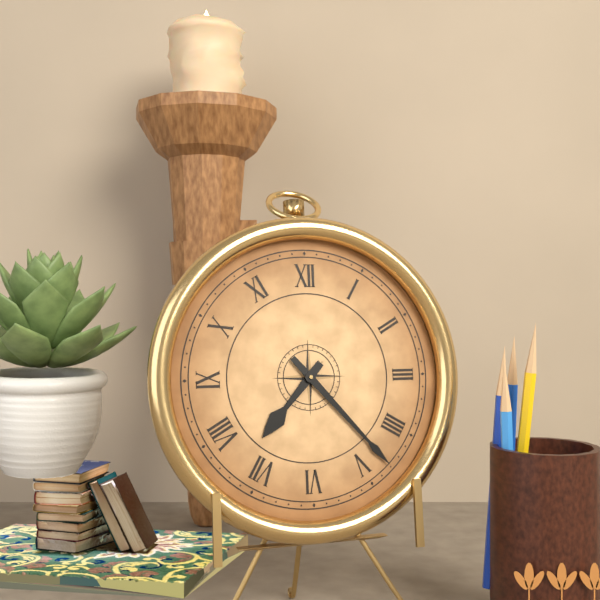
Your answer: 7 h 23 min
